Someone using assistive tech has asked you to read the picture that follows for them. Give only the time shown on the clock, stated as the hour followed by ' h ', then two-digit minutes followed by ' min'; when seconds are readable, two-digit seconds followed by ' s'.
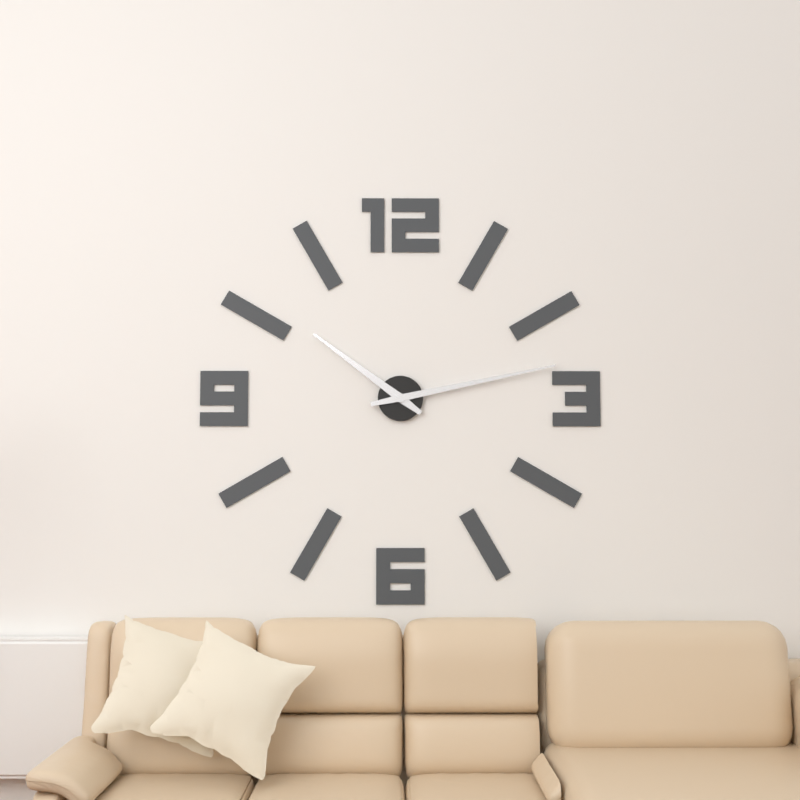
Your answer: 10 h 13 min
